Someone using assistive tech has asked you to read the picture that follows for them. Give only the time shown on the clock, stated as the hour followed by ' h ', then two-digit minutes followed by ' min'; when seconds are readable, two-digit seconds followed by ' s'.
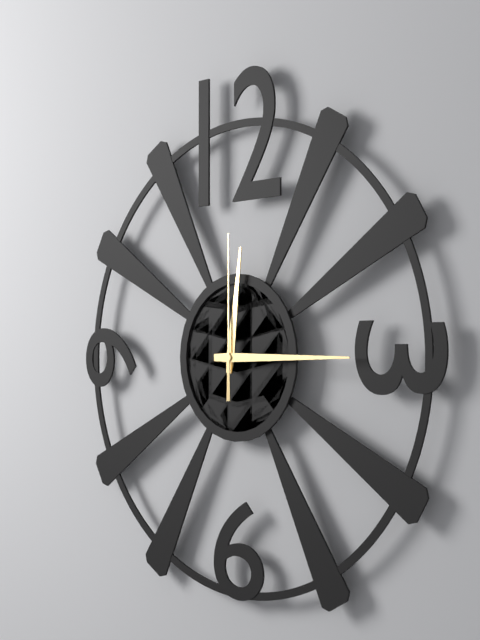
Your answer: 12 h 15 min 00 s
